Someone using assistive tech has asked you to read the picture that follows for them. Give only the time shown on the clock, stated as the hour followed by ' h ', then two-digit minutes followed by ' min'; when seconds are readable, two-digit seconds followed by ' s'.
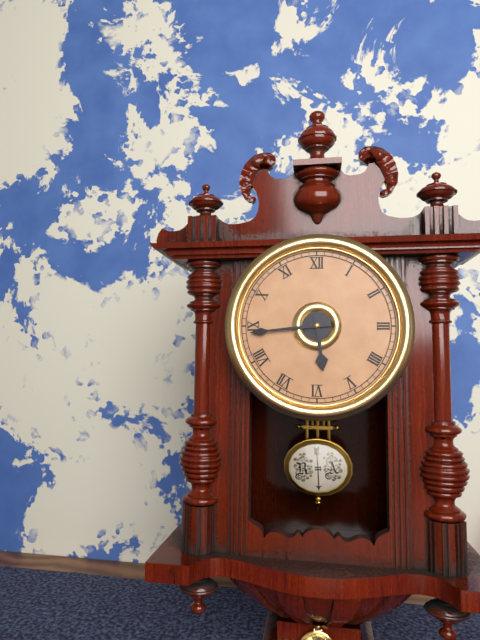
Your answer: 5 h 44 min
